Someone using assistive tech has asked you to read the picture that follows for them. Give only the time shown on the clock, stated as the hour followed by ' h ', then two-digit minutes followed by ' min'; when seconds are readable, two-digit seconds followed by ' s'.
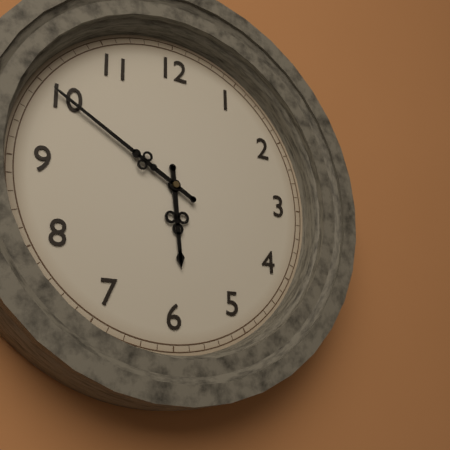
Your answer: 5 h 50 min
